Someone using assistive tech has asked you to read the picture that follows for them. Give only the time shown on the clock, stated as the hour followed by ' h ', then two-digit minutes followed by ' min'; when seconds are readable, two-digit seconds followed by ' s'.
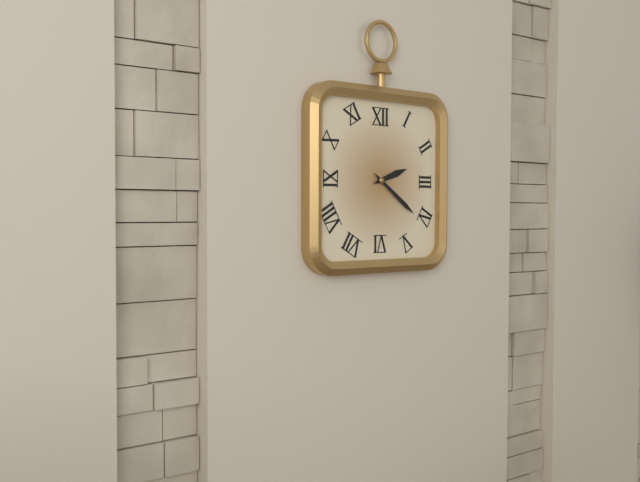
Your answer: 2 h 21 min
